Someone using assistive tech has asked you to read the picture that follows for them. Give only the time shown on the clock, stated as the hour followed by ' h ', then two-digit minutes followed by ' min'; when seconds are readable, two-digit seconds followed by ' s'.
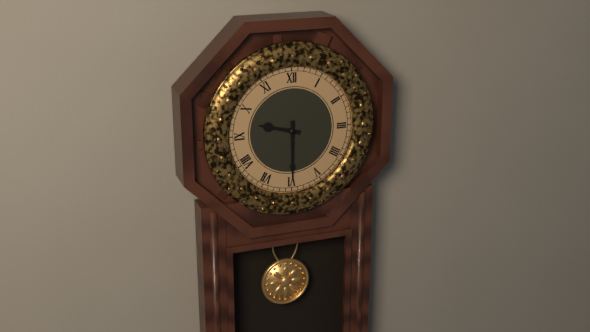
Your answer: 9 h 30 min
